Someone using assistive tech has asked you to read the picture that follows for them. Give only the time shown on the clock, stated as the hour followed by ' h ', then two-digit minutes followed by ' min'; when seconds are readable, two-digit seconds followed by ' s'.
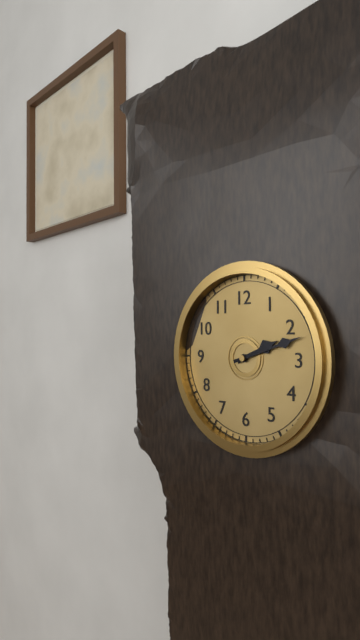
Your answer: 2 h 12 min
